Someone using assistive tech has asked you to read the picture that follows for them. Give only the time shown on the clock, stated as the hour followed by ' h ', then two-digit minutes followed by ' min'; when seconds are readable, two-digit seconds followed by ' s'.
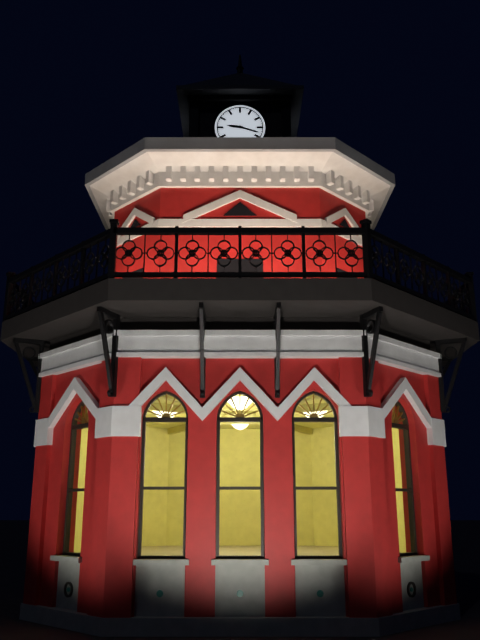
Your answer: 9 h 18 min
